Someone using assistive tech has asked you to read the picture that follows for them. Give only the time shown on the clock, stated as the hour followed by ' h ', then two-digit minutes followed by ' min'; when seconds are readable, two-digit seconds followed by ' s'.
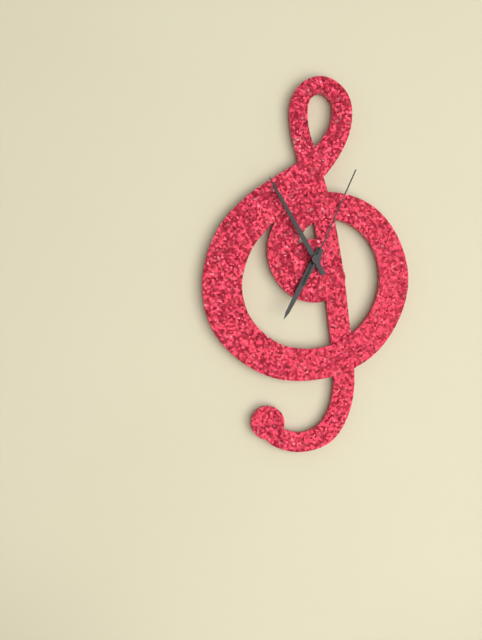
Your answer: 6 h 55 min 04 s
